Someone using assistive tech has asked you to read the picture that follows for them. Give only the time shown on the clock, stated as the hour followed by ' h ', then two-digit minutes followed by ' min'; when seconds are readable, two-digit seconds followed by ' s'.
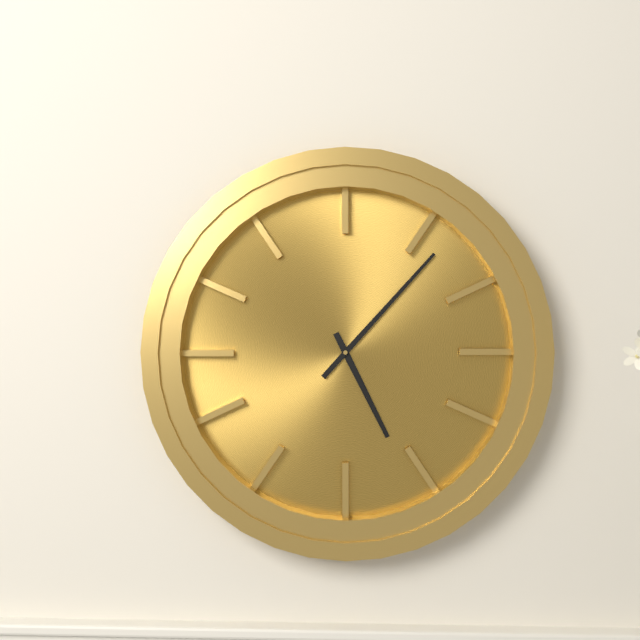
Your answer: 5 h 07 min
